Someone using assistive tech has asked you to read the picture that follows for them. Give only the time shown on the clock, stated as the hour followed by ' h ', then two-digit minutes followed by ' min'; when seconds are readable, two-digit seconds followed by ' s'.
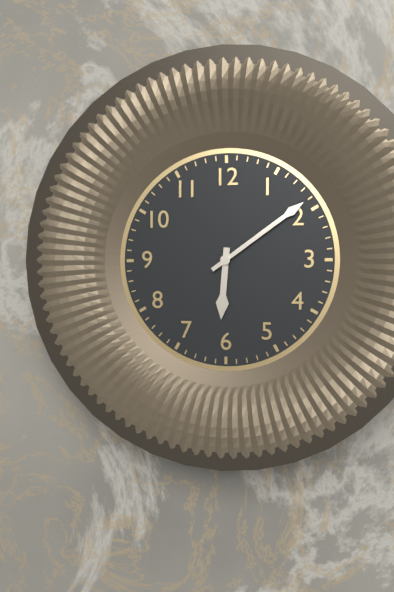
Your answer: 6 h 09 min
